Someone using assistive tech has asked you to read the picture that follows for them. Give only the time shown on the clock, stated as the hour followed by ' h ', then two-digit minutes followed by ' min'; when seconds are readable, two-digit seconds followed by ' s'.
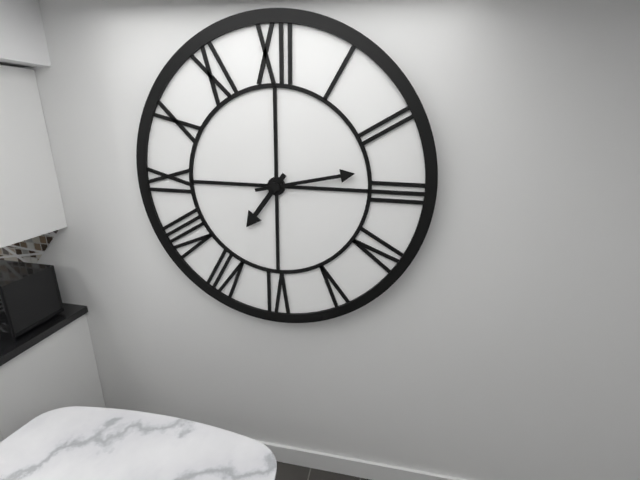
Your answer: 7 h 13 min
